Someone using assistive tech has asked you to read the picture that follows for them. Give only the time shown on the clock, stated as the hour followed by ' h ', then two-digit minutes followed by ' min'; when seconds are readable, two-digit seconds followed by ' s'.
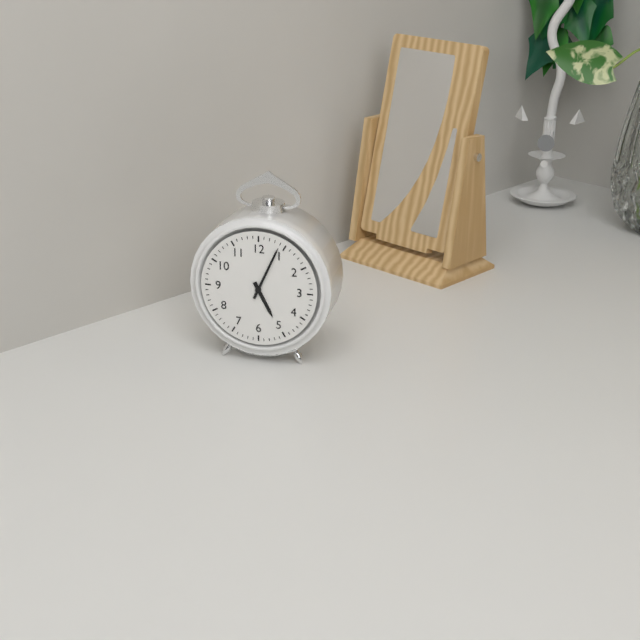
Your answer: 5 h 04 min
